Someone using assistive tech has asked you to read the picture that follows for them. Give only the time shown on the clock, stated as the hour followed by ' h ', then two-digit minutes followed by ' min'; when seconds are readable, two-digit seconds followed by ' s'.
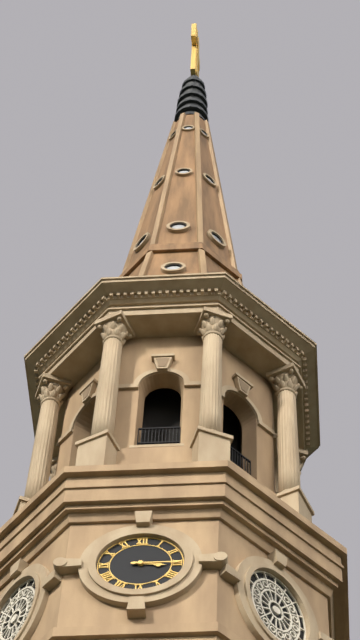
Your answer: 3 h 15 min
